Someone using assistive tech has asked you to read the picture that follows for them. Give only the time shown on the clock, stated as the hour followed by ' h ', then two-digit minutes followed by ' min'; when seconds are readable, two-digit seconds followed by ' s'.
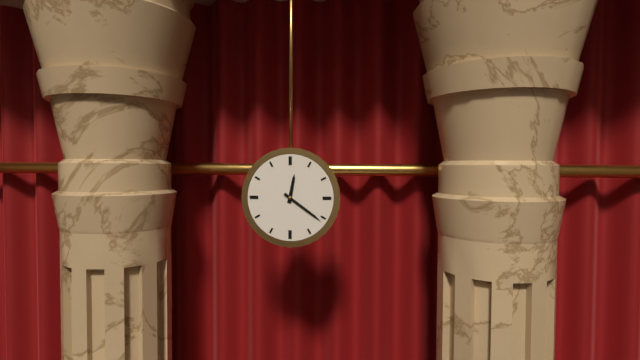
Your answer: 12 h 21 min
